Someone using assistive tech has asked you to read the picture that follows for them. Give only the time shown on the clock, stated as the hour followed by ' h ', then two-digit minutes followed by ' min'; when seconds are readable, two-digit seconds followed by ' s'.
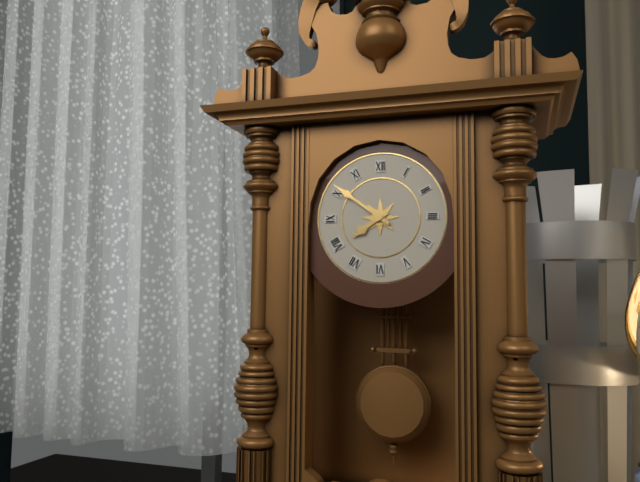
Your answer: 7 h 51 min
